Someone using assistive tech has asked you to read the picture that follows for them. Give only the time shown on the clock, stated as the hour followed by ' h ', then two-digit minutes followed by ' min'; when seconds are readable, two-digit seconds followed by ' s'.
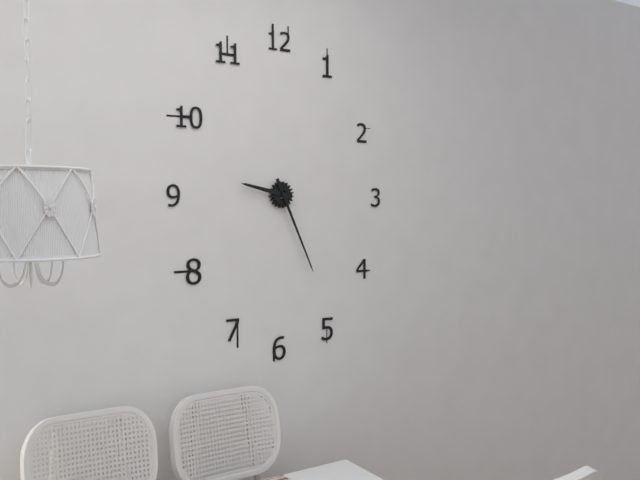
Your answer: 9 h 26 min
